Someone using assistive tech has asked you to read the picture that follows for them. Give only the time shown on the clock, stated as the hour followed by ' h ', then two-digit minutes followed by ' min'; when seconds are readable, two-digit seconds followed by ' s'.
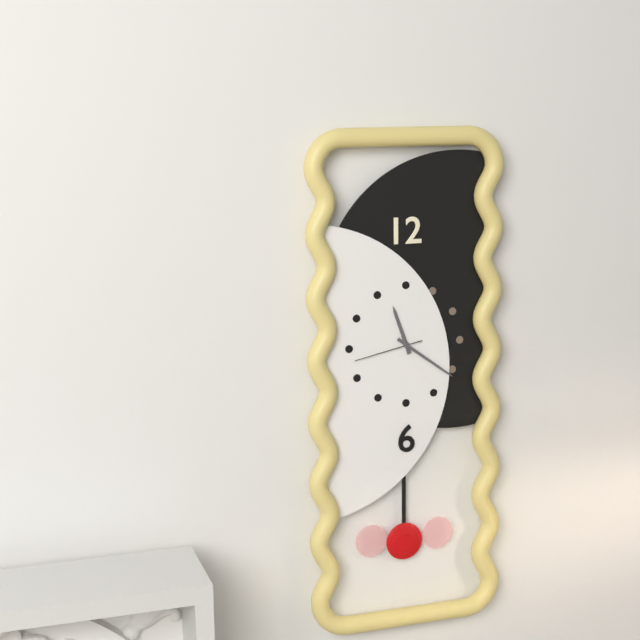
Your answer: 11 h 21 min 43 s
